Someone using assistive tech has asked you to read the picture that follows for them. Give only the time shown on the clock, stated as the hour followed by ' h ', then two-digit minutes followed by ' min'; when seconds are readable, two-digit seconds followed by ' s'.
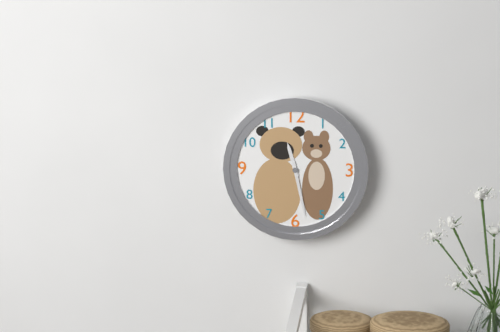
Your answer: 11 h 28 min
